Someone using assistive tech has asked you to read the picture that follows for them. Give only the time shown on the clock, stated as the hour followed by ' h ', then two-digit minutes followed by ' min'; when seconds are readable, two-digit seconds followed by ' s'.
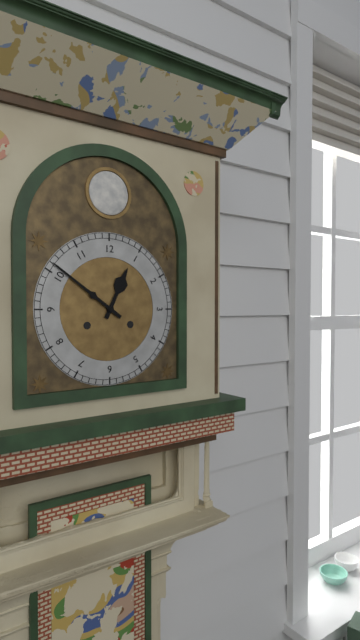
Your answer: 12 h 51 min
